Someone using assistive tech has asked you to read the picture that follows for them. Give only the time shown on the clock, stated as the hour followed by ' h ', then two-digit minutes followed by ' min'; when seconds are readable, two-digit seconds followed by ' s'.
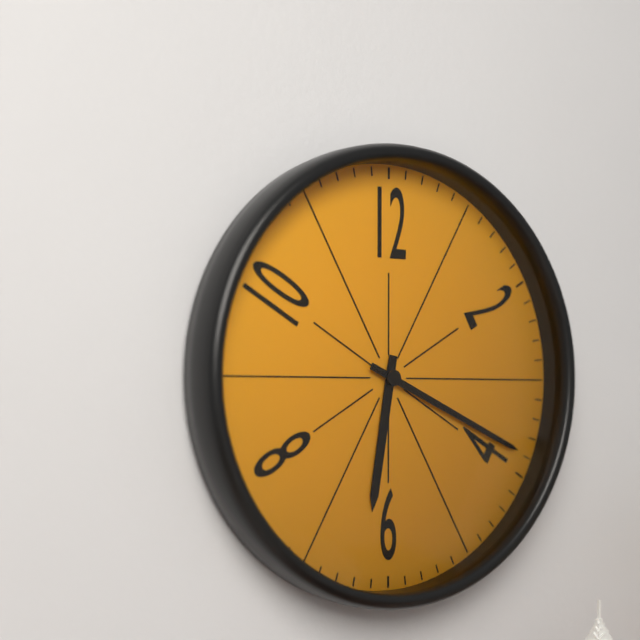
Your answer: 6 h 19 min
